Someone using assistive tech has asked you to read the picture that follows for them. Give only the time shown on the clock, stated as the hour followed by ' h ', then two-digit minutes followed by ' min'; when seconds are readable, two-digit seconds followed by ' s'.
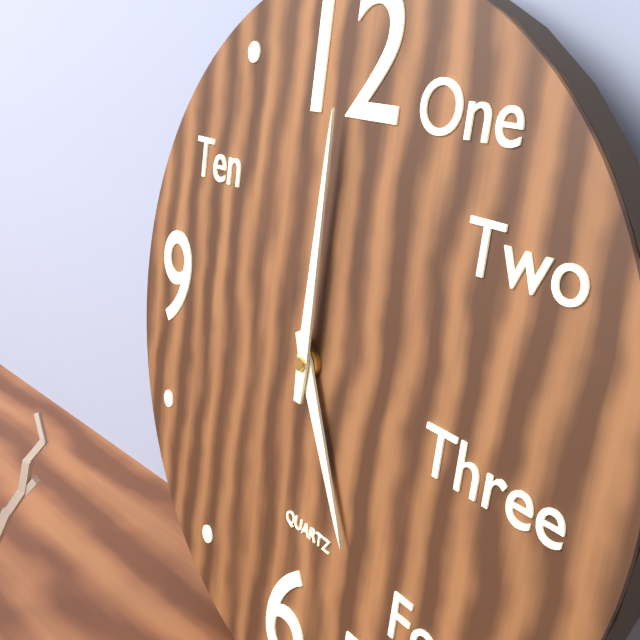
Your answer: 5 h 00 min
